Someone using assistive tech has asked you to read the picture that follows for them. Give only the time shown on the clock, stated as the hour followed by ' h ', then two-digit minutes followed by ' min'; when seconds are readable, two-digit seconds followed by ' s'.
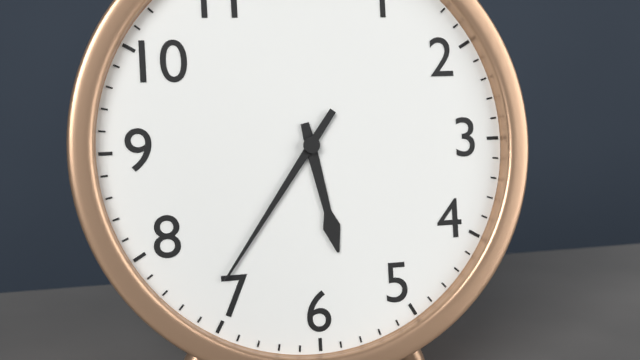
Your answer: 5 h 36 min
